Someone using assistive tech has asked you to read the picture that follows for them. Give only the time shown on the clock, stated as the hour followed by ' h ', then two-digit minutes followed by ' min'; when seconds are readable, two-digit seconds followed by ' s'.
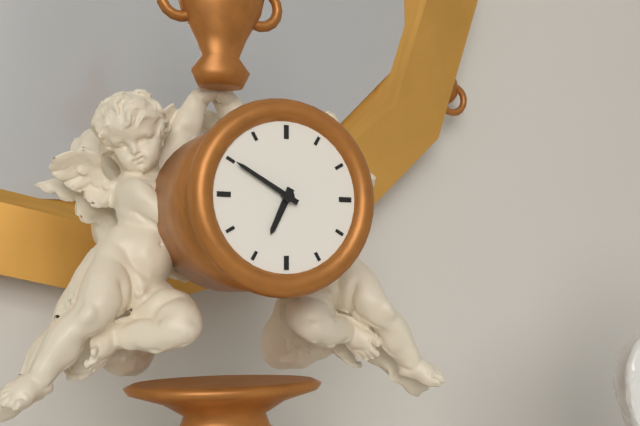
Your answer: 6 h 50 min
